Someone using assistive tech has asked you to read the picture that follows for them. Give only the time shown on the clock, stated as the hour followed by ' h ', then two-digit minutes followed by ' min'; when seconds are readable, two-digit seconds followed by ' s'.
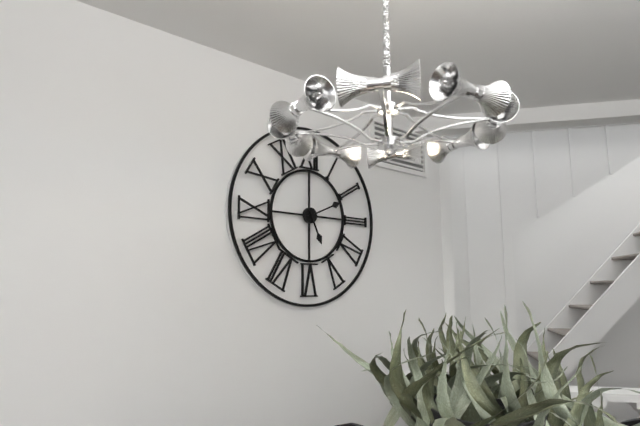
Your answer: 5 h 11 min
